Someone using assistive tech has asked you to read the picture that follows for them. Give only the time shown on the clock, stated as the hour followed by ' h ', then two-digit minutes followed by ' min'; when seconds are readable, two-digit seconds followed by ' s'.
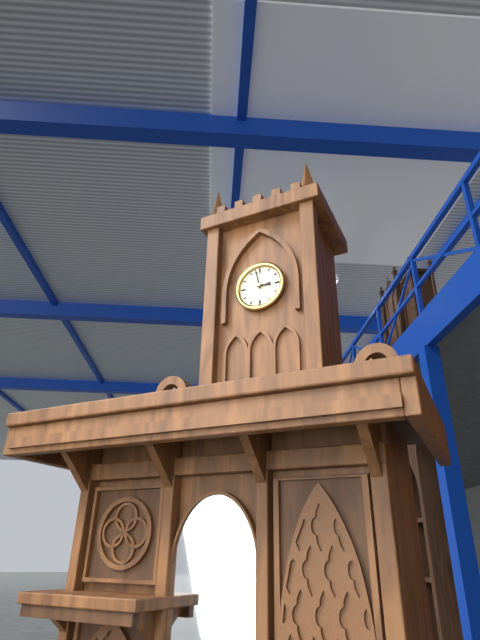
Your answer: 2 h 58 min
